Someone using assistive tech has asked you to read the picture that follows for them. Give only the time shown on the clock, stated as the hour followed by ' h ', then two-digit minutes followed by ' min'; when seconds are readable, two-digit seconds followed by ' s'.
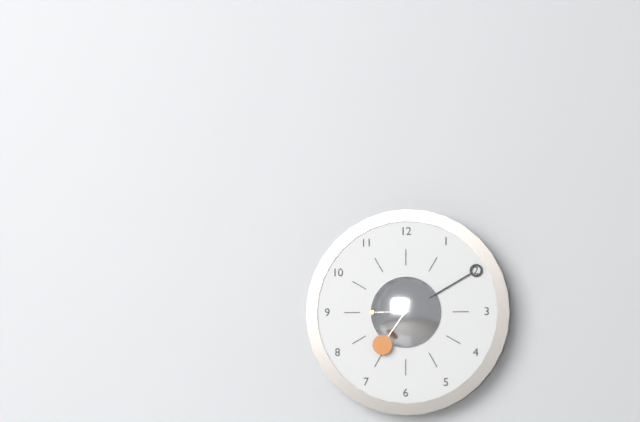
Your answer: 7 h 10 min
